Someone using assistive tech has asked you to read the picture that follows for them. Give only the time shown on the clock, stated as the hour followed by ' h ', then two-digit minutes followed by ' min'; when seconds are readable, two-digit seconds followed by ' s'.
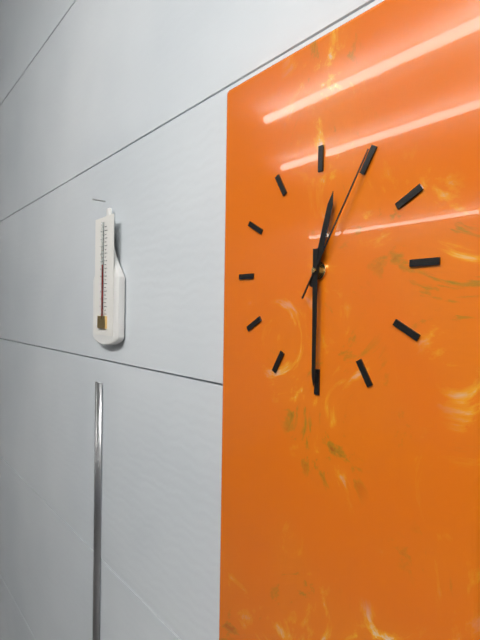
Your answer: 12 h 30 min 05 s
